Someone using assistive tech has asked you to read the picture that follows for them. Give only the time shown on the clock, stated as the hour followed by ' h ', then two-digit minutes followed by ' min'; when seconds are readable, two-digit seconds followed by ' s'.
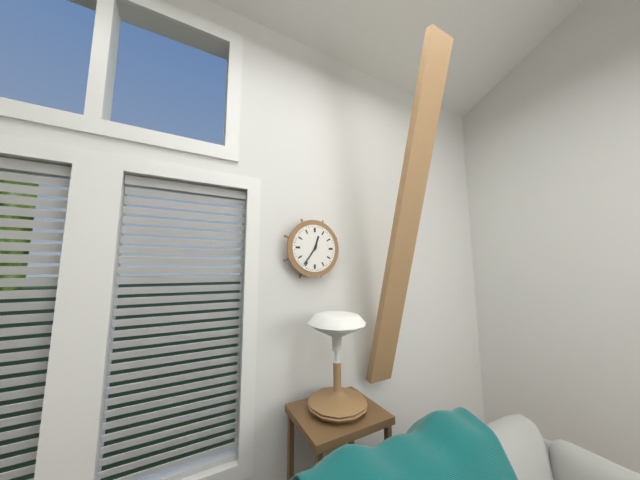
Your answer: 12 h 36 min
